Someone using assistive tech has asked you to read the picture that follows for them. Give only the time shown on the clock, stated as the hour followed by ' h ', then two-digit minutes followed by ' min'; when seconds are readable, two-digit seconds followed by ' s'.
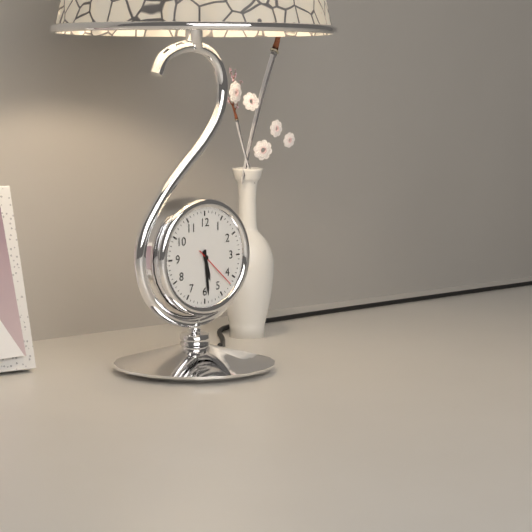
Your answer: 5 h 29 min
